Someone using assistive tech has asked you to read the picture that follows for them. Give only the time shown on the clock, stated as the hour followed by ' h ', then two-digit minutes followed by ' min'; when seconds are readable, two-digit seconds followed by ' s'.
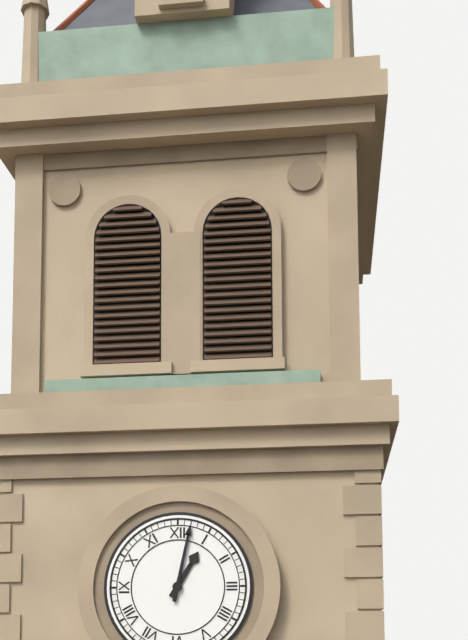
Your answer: 1 h 02 min
